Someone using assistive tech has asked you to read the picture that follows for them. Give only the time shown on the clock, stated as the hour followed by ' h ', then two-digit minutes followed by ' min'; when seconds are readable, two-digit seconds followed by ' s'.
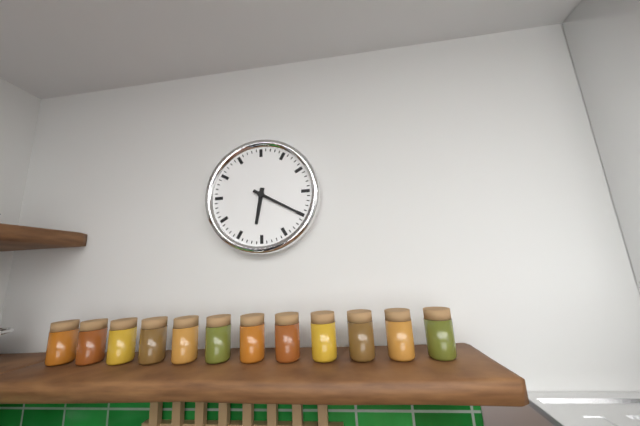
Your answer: 6 h 20 min
